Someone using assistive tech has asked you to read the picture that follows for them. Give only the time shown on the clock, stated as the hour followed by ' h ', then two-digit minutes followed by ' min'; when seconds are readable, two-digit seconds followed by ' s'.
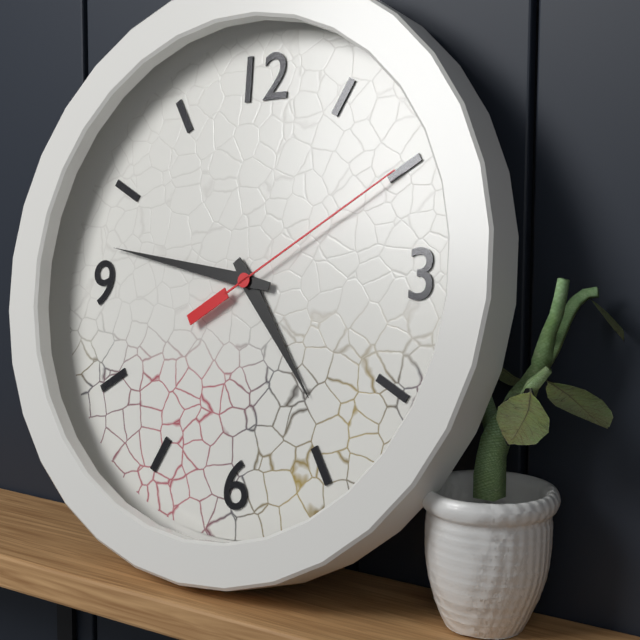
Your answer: 4 h 47 min 10 s
